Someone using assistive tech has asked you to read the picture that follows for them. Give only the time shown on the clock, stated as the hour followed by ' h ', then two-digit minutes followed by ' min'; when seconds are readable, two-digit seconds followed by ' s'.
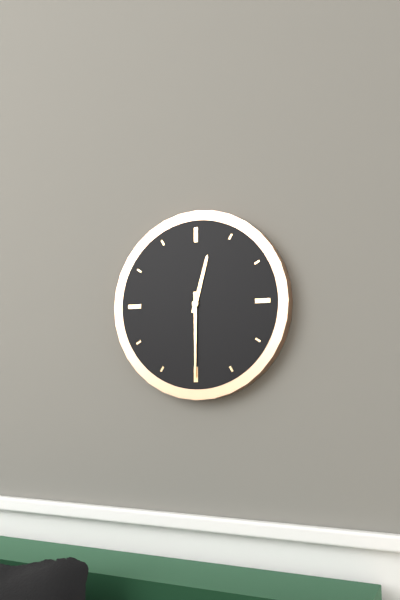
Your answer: 12 h 30 min
